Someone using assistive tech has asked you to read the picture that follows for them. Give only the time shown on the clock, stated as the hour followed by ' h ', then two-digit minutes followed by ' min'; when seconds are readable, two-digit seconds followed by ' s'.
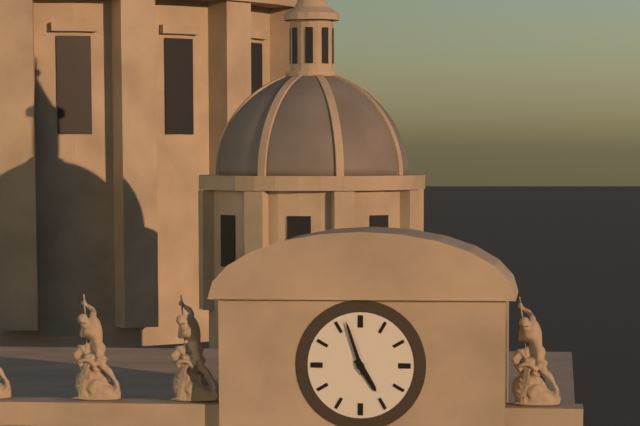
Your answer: 4 h 57 min
